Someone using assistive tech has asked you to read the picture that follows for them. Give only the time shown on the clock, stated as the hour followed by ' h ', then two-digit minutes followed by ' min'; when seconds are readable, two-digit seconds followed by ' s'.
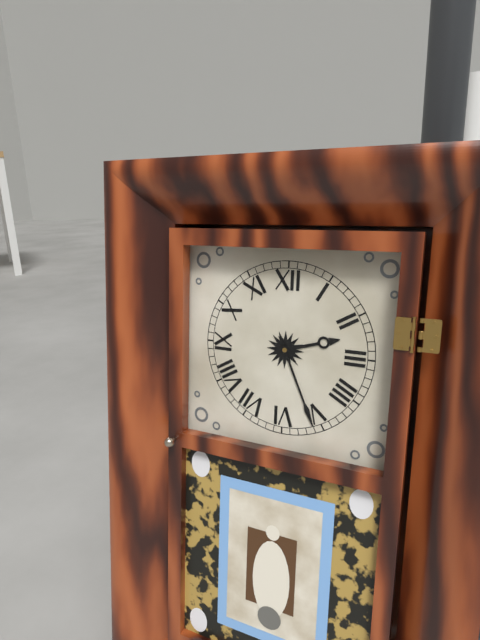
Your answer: 2 h 26 min
